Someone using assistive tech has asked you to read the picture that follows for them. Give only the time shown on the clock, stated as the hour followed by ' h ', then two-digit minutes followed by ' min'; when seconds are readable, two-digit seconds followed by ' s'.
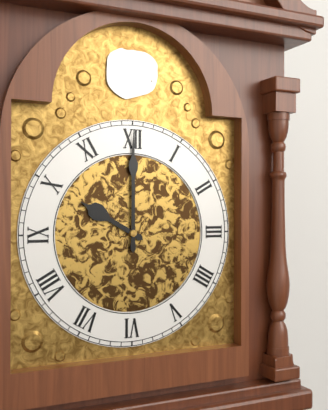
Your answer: 10 h 00 min
